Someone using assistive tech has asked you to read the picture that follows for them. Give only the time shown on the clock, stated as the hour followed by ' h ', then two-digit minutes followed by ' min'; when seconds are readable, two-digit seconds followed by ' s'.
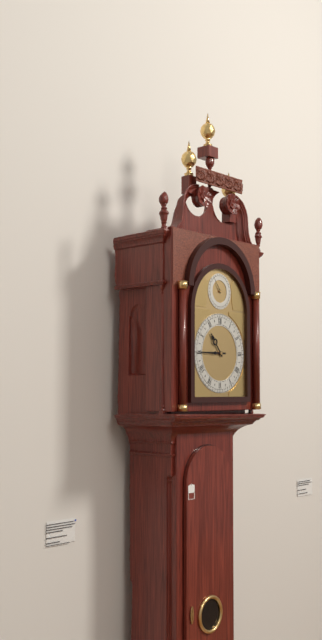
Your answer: 10 h 45 min
